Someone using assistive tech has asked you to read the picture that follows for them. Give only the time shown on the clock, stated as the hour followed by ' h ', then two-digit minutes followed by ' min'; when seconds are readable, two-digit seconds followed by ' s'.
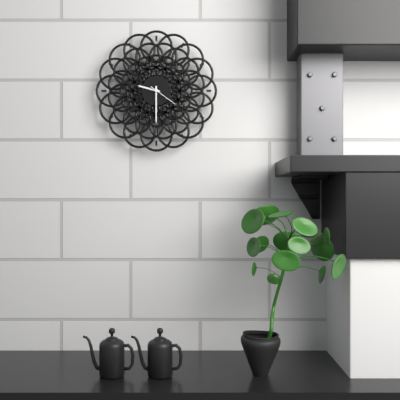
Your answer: 9 h 30 min
